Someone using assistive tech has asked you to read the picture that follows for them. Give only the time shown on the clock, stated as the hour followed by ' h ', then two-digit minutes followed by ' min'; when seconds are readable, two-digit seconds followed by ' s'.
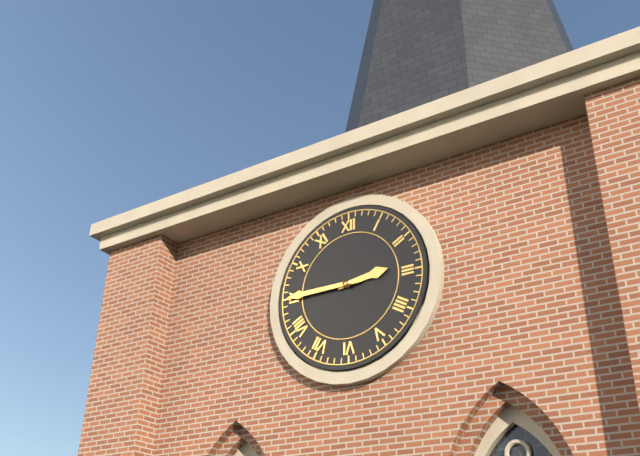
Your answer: 2 h 45 min
